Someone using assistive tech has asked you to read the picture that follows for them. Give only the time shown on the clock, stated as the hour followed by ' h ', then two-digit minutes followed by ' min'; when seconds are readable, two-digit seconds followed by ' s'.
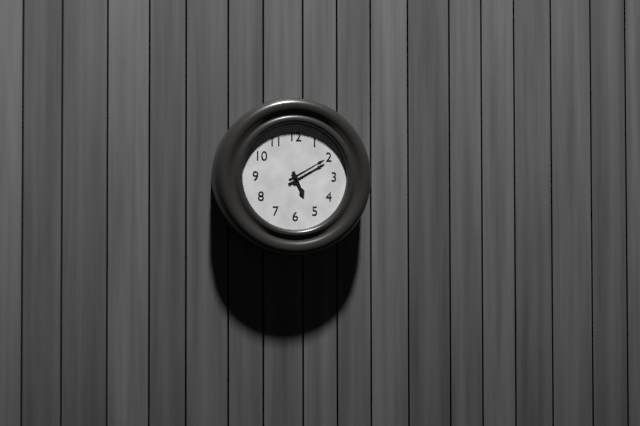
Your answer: 5 h 10 min
